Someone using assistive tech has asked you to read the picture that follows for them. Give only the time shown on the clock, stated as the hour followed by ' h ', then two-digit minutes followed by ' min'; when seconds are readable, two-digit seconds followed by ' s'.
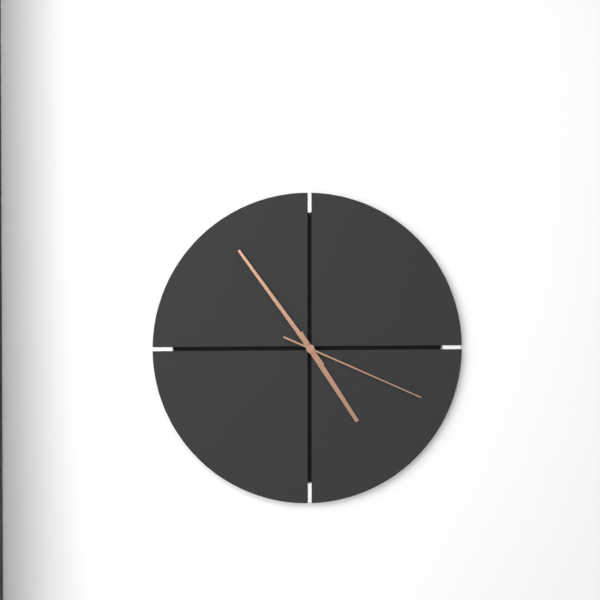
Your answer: 4 h 54 min 19 s
